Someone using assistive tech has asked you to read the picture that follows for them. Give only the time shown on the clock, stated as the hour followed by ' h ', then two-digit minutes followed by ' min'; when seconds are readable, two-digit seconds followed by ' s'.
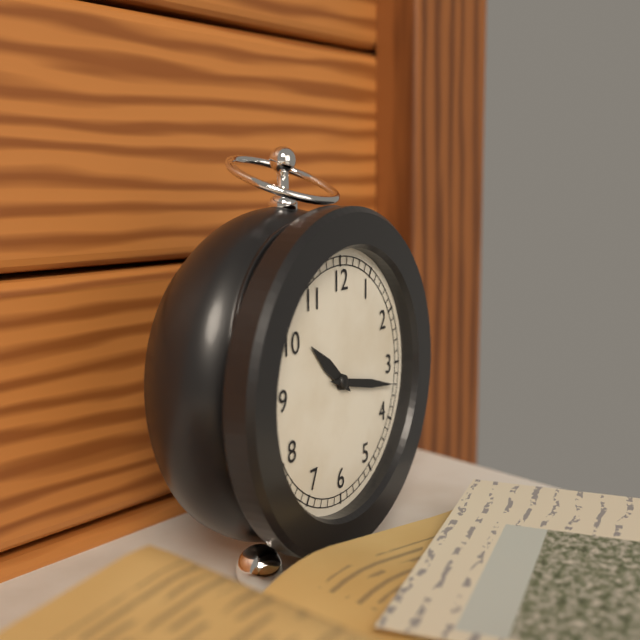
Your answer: 10 h 17 min
